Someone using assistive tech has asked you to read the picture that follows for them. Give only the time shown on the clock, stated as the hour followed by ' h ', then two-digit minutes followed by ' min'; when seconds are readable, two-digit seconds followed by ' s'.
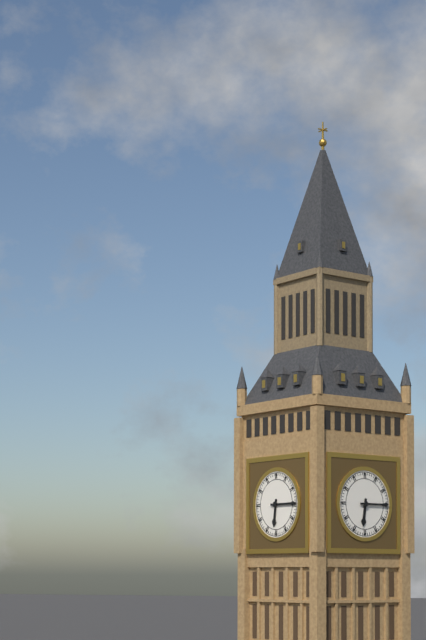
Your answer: 6 h 15 min
